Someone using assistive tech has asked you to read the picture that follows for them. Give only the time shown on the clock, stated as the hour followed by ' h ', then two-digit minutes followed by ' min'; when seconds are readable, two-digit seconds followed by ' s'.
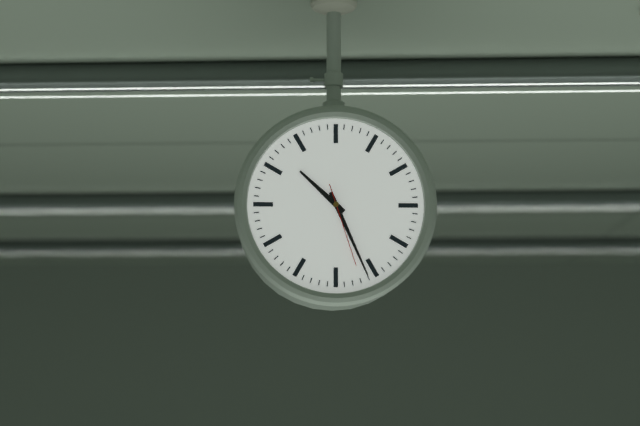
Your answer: 10 h 26 min 27 s
